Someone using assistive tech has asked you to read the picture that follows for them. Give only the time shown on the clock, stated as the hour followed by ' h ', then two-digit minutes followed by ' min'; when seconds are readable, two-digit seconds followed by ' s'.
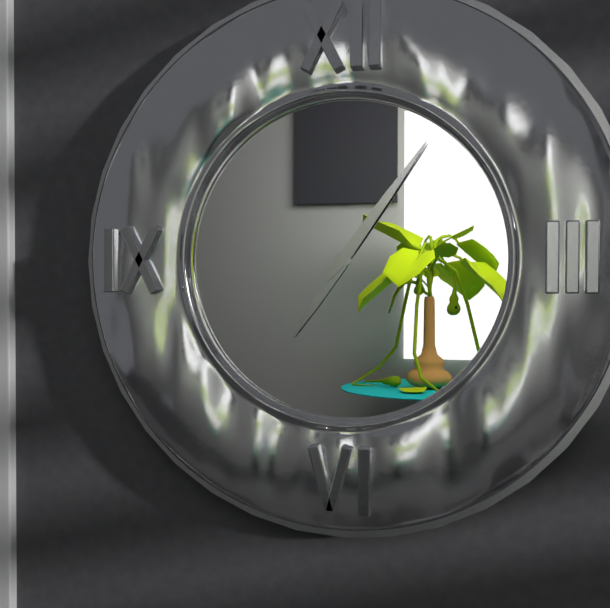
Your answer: 7 h 06 min
